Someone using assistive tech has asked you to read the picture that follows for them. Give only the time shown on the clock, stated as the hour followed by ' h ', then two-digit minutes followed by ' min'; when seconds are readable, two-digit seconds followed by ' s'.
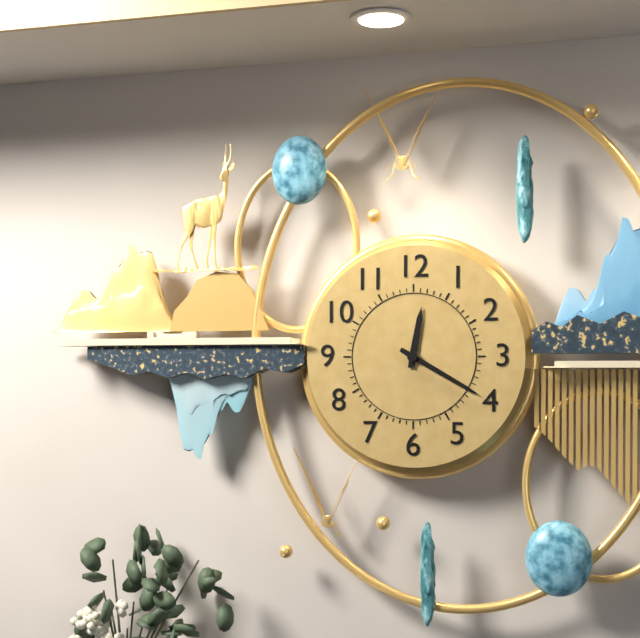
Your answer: 12 h 20 min
